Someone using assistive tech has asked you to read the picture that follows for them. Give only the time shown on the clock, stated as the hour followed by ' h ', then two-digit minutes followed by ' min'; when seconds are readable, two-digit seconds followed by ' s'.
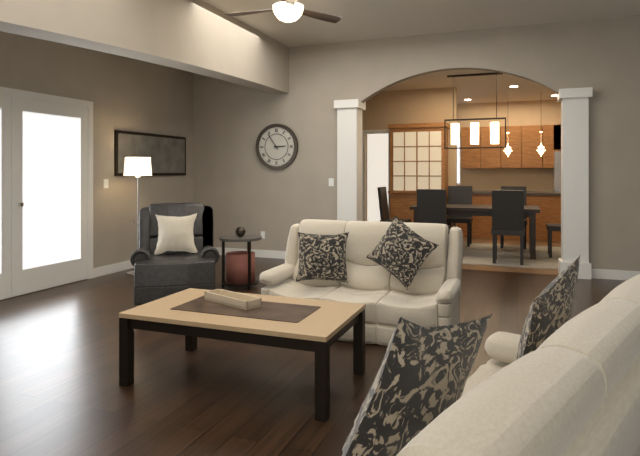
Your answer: 2 h 54 min
